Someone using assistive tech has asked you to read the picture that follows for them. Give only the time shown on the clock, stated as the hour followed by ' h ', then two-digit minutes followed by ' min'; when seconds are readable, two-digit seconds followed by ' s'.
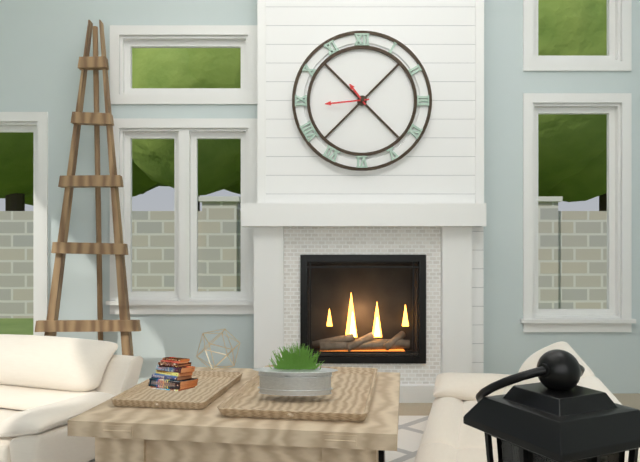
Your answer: 10 h 44 min
